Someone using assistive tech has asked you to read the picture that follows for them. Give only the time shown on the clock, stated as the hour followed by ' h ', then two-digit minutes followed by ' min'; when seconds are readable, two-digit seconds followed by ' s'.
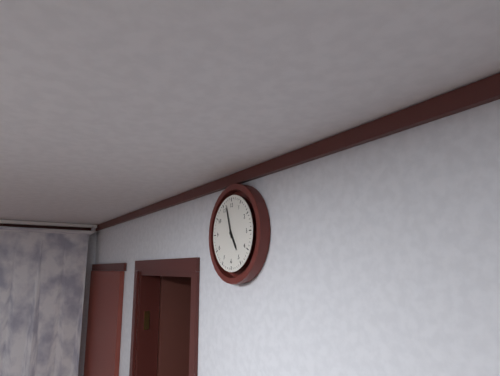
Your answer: 4 h 57 min
